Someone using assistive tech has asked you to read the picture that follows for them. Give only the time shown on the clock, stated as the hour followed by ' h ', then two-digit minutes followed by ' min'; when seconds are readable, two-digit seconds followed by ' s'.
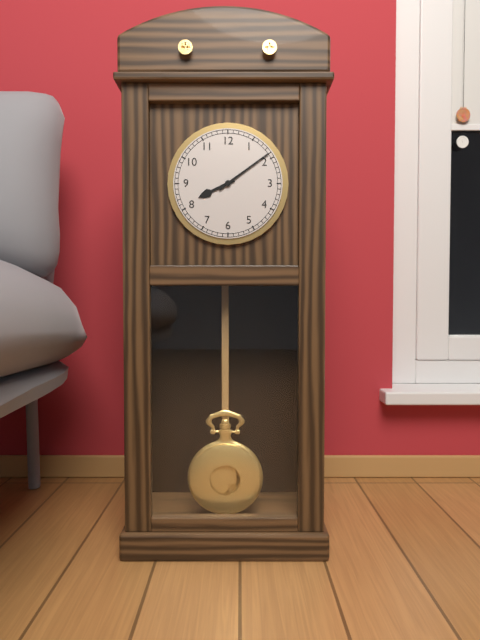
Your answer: 8 h 09 min
